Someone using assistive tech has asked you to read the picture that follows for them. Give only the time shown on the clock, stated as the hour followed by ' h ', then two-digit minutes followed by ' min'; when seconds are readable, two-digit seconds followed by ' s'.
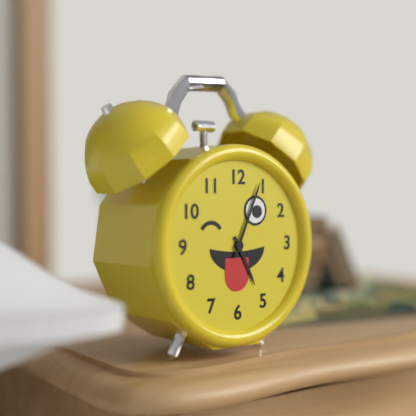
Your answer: 5 h 04 min
